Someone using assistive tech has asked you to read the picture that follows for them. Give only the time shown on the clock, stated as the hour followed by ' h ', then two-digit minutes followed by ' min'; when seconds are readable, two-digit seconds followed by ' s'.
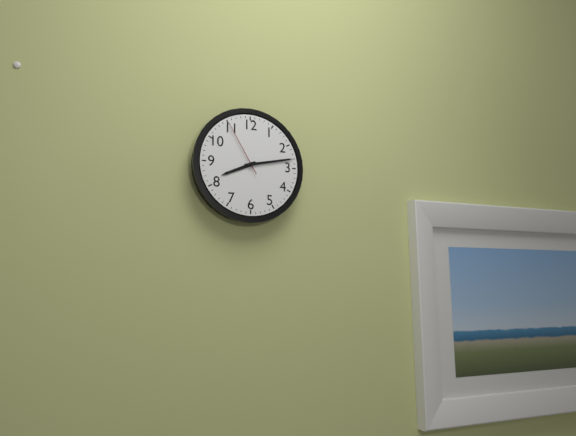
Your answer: 8 h 13 min 55 s
